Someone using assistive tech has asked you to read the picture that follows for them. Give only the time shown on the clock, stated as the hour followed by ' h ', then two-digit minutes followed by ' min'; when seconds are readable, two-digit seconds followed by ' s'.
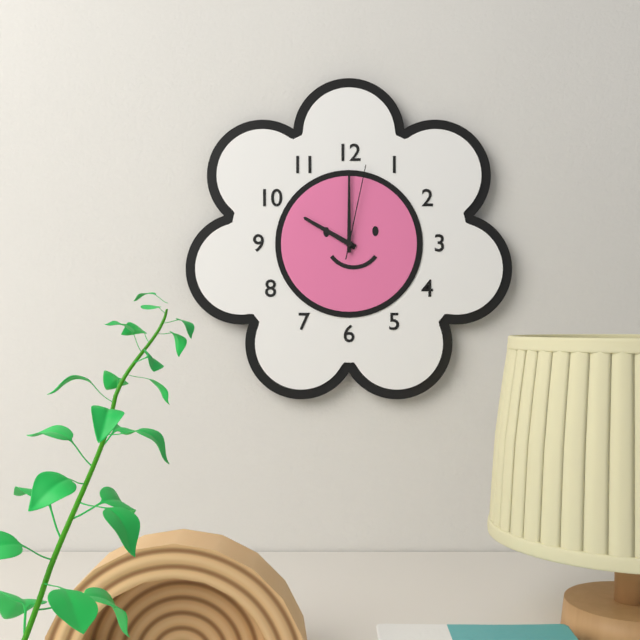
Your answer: 10 h 00 min 02 s
